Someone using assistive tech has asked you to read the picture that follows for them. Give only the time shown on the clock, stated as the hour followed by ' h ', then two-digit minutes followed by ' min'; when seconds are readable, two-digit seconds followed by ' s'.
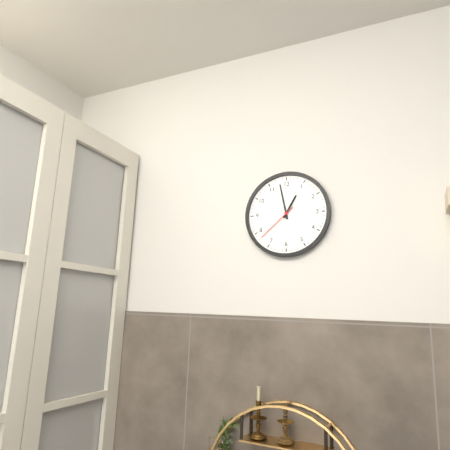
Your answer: 12 h 58 min
